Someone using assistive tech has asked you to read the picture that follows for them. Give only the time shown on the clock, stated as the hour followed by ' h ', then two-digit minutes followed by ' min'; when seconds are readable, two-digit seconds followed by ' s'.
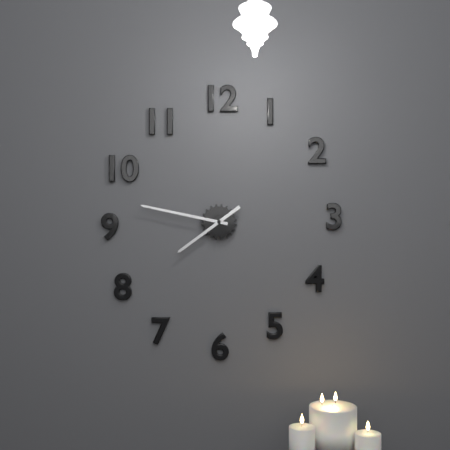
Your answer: 7 h 47 min
